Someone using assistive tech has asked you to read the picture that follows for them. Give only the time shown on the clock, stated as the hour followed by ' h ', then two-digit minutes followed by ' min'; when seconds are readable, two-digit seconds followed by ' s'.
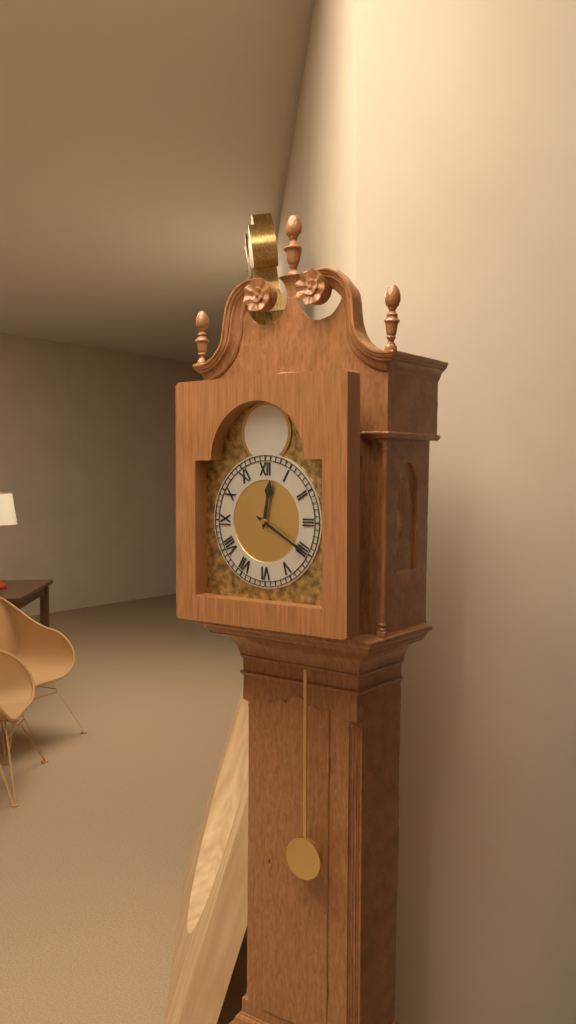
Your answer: 12 h 20 min
